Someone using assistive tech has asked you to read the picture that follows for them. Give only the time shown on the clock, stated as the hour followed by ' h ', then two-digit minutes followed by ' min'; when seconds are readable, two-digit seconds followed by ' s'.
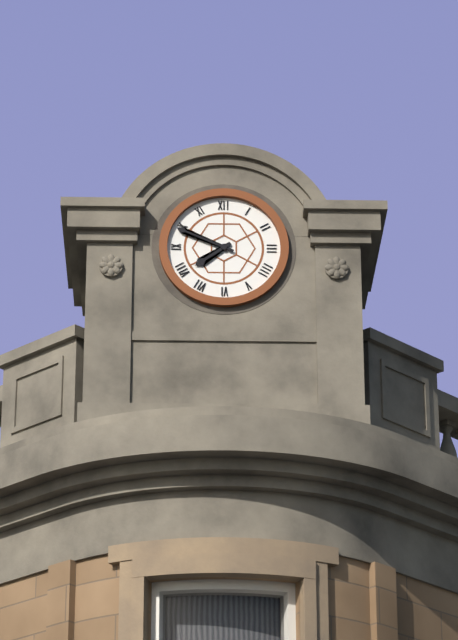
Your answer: 7 h 49 min
